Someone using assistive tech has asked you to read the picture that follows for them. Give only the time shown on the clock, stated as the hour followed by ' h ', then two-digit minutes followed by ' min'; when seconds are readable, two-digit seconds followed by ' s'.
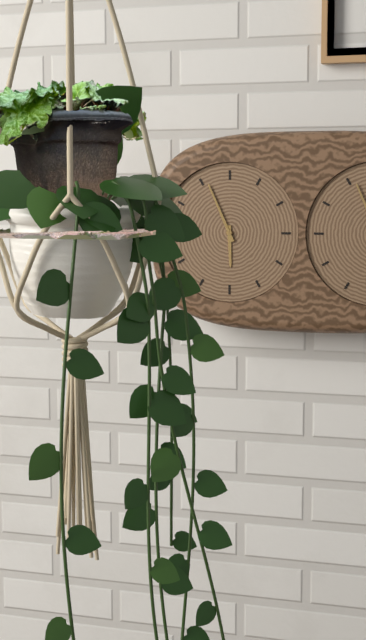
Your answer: 5 h 56 min
